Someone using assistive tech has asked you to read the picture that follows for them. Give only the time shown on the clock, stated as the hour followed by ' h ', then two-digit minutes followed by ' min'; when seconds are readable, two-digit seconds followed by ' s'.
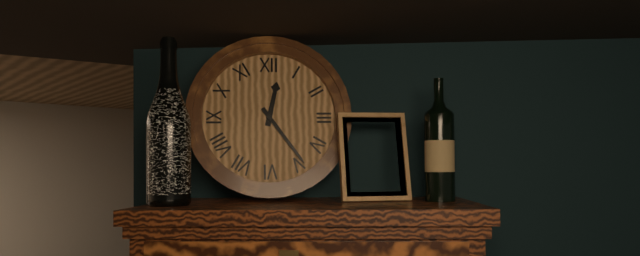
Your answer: 12 h 24 min
